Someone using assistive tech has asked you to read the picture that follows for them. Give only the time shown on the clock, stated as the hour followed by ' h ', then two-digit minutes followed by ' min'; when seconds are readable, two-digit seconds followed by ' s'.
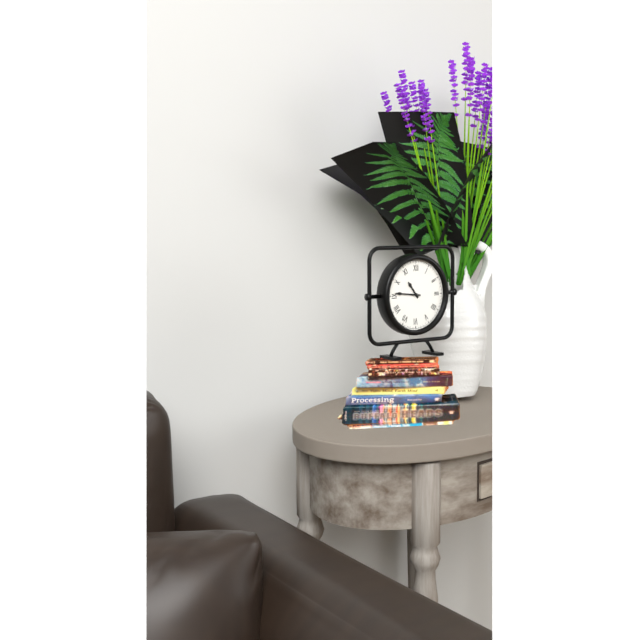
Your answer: 10 h 46 min
